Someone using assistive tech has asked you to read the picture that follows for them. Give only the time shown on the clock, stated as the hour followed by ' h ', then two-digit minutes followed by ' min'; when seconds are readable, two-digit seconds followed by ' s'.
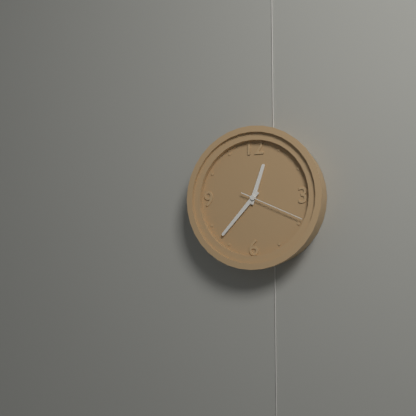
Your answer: 12 h 37 min 19 s
